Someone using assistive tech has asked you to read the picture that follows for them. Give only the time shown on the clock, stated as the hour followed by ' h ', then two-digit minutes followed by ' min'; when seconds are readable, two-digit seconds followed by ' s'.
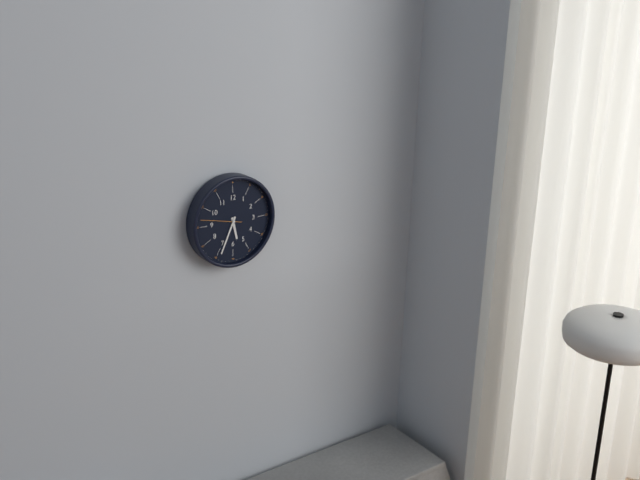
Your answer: 5 h 34 min
